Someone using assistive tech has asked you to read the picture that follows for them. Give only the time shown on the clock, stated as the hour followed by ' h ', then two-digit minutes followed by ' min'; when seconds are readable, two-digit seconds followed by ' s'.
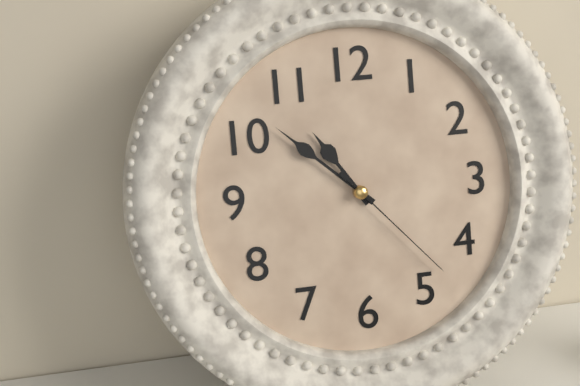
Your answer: 10 h 52 min 23 s
